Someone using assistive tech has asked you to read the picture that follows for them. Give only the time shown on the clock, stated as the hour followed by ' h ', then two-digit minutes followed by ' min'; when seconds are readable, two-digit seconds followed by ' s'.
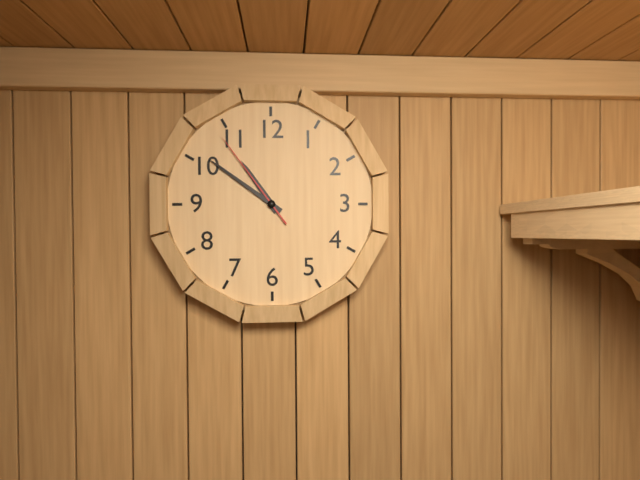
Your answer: 10 h 51 min 54 s
